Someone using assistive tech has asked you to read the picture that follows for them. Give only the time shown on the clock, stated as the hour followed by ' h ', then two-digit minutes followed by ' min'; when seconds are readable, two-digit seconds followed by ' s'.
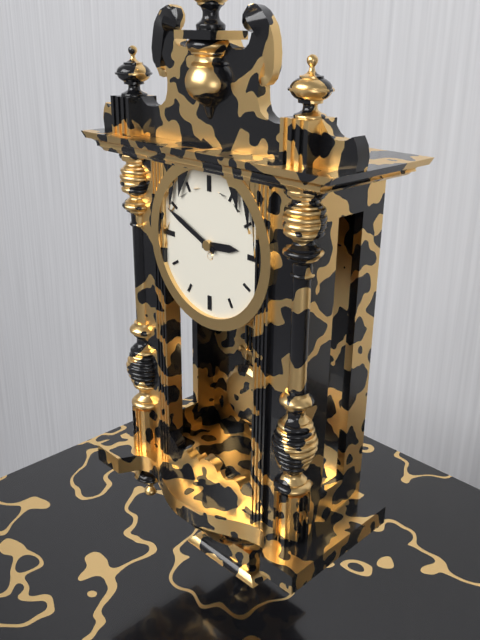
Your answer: 2 h 49 min
